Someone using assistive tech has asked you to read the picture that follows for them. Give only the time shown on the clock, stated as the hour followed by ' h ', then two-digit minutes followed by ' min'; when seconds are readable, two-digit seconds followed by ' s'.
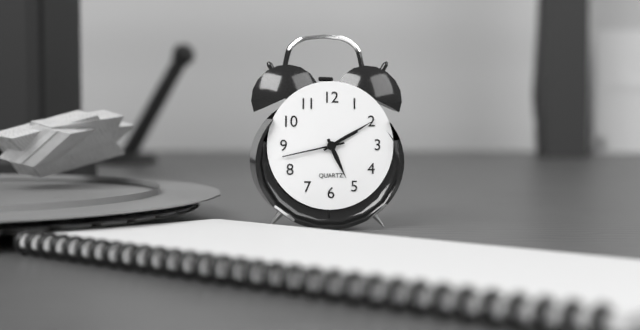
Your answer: 5 h 10 min 43 s
